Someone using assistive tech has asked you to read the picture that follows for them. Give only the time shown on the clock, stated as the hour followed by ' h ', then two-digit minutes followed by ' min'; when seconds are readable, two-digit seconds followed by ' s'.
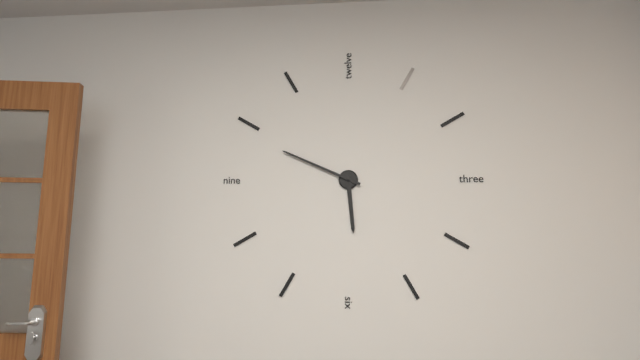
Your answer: 5 h 49 min
